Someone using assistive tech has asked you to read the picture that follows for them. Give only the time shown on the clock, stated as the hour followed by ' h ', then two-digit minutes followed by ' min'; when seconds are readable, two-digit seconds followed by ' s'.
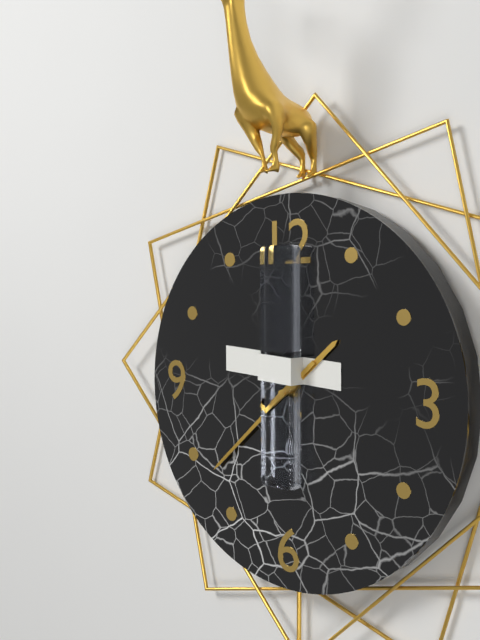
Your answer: 1 h 38 min
